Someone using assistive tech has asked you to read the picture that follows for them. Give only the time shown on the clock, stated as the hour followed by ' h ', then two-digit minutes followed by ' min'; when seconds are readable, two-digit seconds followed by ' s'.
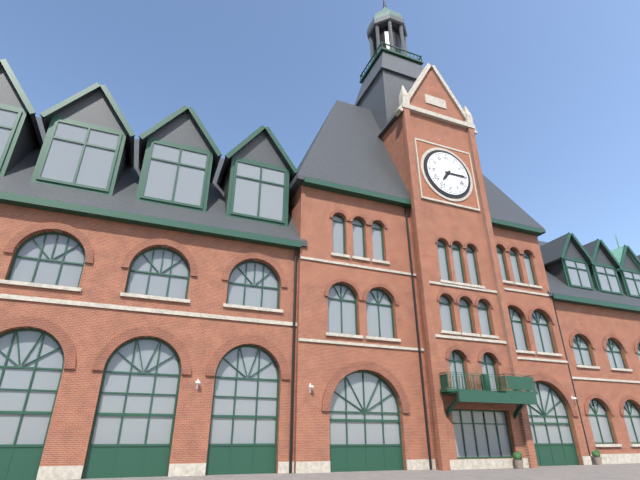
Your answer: 7 h 15 min
